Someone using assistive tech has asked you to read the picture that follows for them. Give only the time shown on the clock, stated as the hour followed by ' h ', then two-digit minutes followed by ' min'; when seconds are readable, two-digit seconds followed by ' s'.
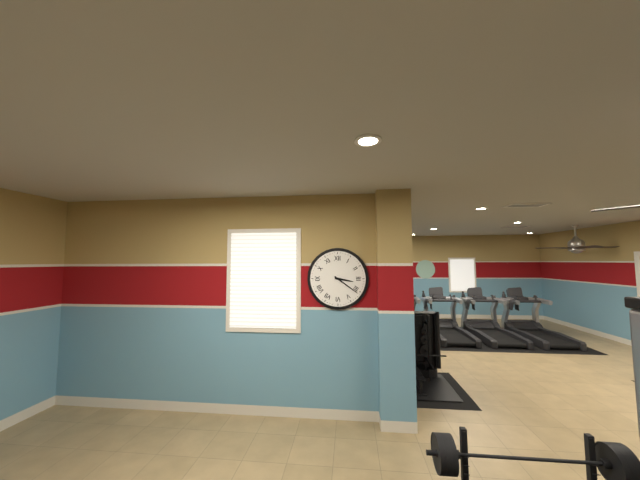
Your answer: 3 h 21 min
